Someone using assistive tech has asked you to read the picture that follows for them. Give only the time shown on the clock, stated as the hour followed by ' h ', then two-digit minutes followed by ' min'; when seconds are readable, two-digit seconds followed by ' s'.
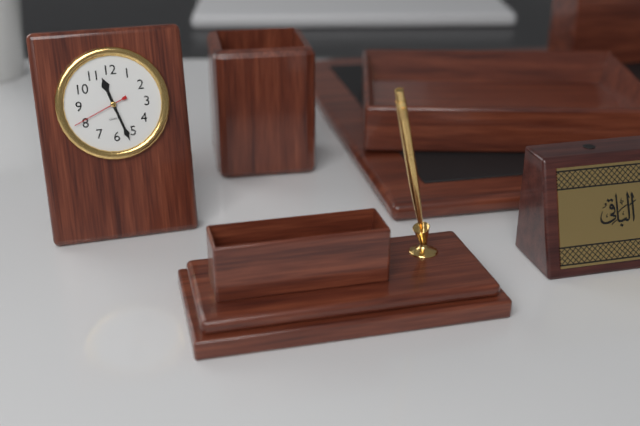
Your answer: 11 h 27 min 41 s
